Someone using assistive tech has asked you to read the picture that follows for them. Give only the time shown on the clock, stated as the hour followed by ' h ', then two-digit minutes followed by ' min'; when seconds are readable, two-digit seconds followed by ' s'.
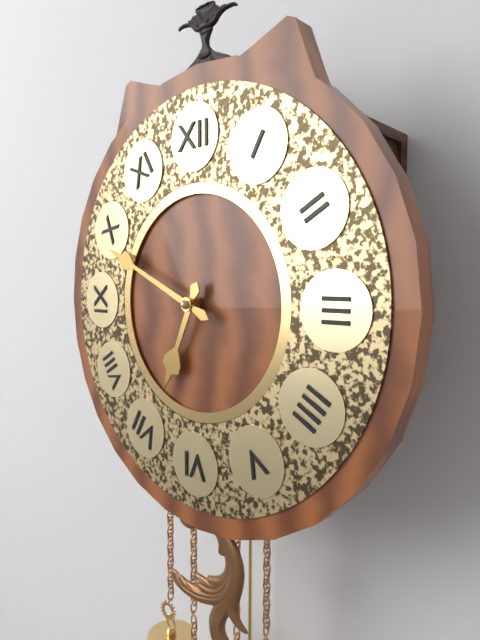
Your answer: 6 h 49 min
